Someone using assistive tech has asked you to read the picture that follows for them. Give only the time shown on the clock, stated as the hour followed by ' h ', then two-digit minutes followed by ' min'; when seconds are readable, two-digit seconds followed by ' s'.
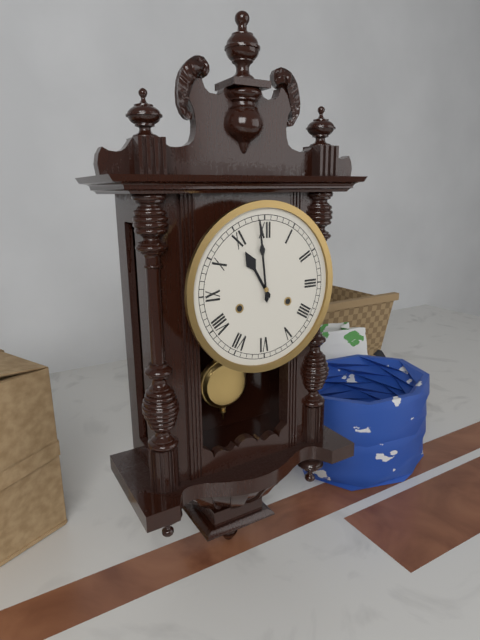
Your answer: 10 h 59 min
